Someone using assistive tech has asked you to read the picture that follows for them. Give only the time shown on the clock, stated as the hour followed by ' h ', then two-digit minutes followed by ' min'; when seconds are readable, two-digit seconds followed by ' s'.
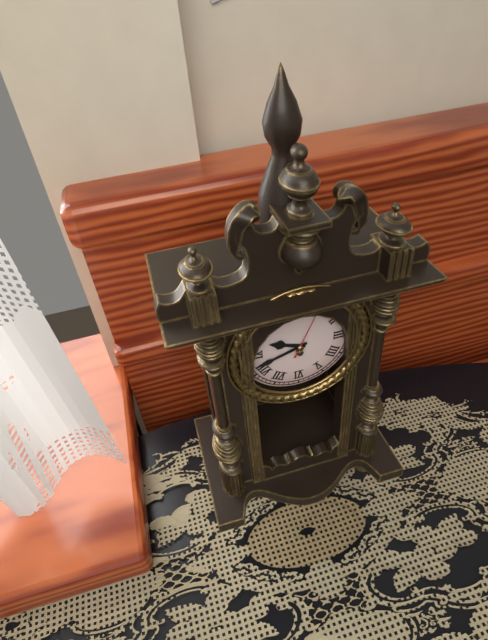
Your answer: 9 h 42 min 04 s
